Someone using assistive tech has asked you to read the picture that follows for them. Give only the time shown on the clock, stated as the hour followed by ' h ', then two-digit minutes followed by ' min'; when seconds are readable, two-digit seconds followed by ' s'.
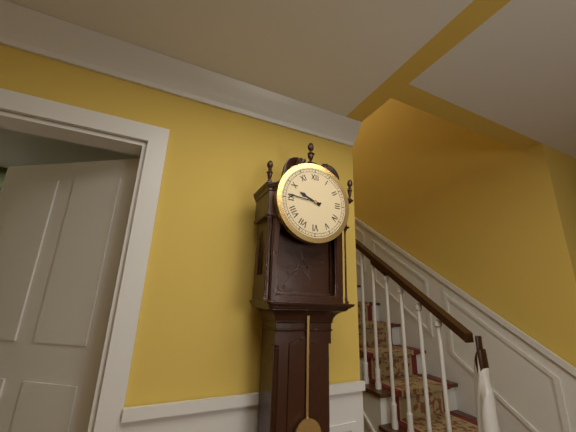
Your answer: 9 h 46 min
